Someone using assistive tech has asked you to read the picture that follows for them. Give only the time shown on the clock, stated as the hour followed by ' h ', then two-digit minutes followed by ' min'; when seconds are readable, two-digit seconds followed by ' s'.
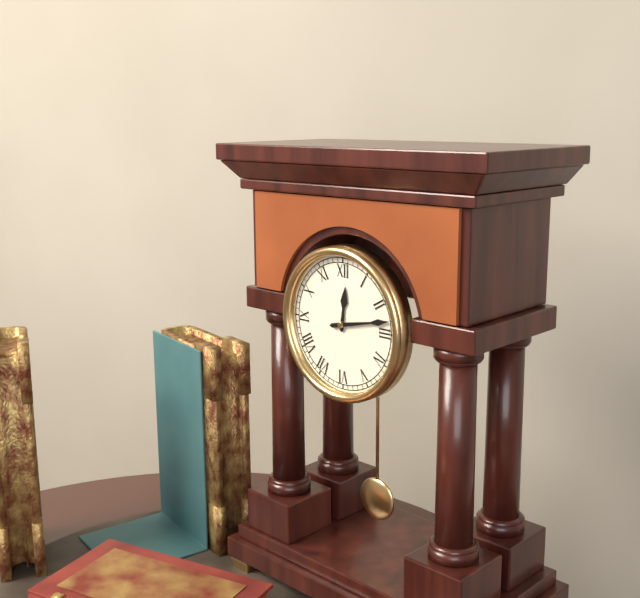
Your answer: 12 h 13 min
